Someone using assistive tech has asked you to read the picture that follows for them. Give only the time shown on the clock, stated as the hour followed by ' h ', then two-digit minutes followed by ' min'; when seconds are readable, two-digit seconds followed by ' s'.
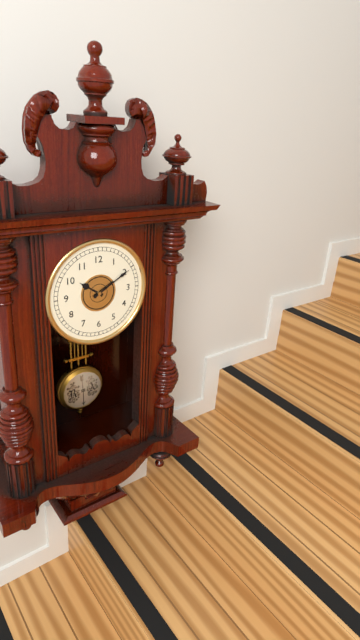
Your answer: 10 h 10 min
